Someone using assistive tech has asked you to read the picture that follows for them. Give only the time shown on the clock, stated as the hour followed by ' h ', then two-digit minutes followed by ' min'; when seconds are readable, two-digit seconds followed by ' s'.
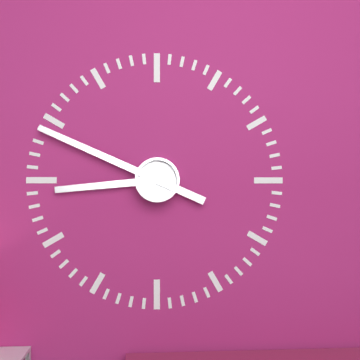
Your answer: 8 h 49 min
